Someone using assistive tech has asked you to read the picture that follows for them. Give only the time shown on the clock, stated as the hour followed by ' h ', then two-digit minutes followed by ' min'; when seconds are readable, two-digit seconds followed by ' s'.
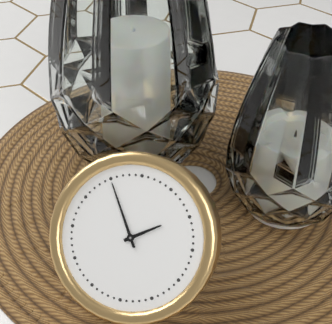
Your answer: 1 h 55 min
